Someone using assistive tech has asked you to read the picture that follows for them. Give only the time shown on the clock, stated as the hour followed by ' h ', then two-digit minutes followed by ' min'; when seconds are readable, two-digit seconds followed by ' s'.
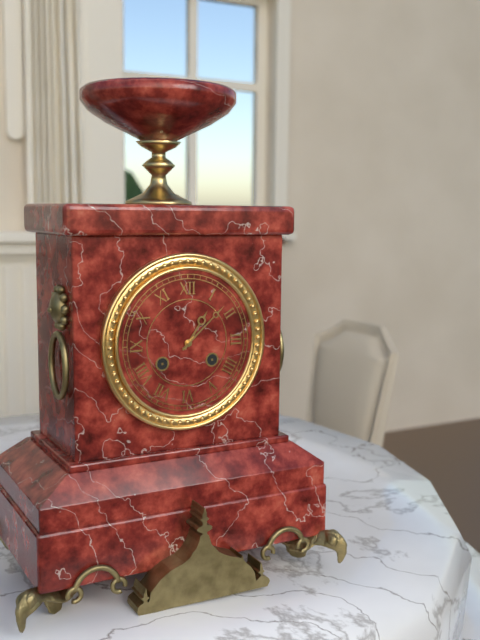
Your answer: 1 h 08 min
